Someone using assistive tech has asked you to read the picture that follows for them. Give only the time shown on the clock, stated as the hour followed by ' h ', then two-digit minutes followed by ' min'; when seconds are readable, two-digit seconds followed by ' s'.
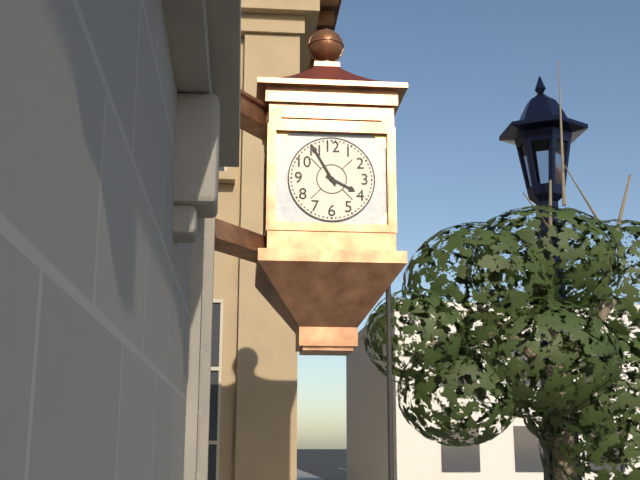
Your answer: 3 h 55 min
